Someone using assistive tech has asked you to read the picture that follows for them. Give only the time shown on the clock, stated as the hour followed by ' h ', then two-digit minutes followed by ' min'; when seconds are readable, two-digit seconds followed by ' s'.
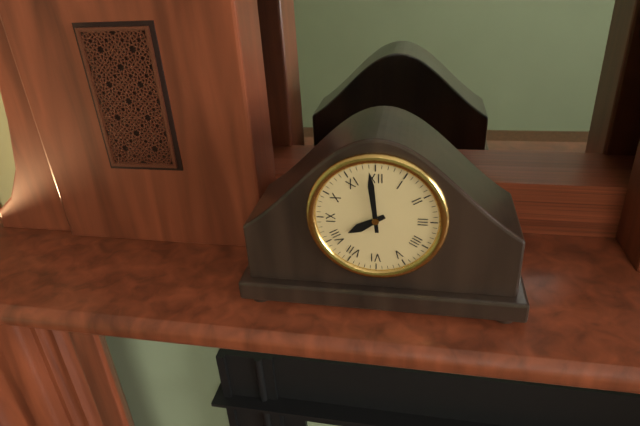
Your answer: 7 h 59 min
